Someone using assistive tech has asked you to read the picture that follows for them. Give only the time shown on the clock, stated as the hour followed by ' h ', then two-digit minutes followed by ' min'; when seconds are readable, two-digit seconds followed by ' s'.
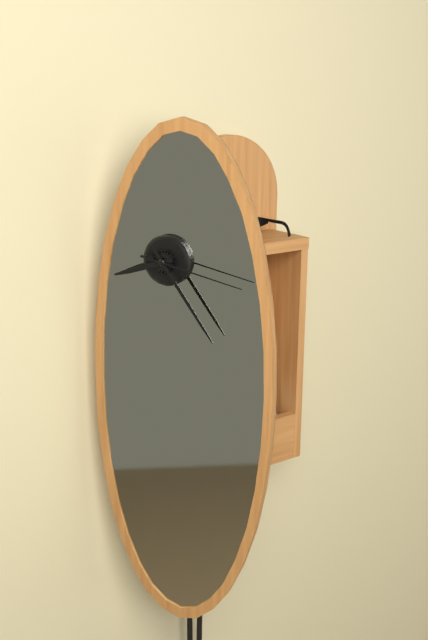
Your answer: 8 h 24 min 17 s
